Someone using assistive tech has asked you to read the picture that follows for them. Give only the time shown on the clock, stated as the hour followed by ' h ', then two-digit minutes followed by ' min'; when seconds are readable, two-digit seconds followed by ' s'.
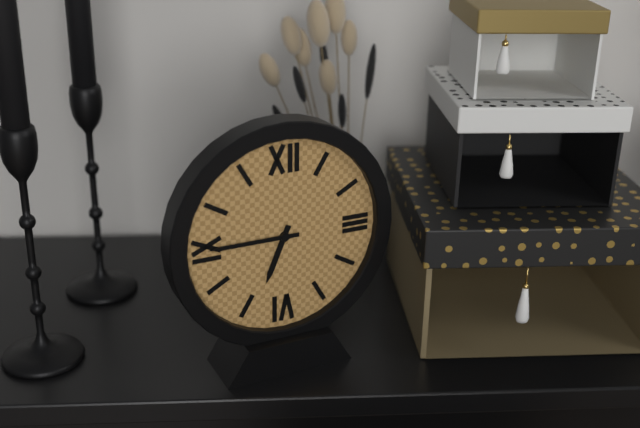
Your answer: 6 h 45 min
